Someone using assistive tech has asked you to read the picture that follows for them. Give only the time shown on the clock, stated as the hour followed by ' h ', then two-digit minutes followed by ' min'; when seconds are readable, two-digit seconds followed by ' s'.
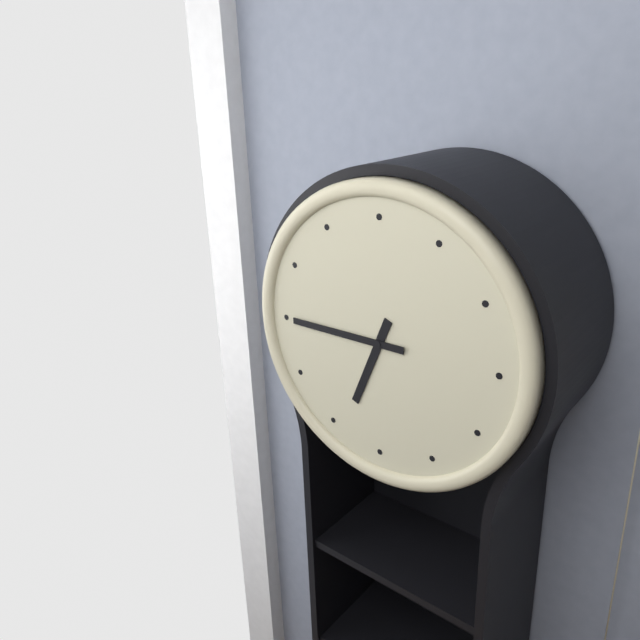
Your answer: 6 h 45 min
